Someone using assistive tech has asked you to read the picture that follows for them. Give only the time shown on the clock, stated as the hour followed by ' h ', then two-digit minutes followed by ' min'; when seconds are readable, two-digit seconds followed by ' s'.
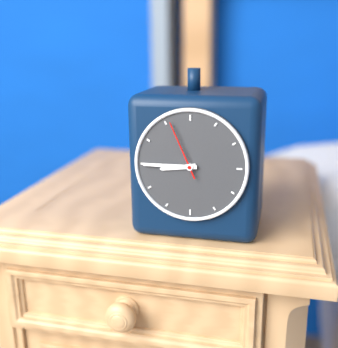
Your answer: 8 h 45 min 56 s
